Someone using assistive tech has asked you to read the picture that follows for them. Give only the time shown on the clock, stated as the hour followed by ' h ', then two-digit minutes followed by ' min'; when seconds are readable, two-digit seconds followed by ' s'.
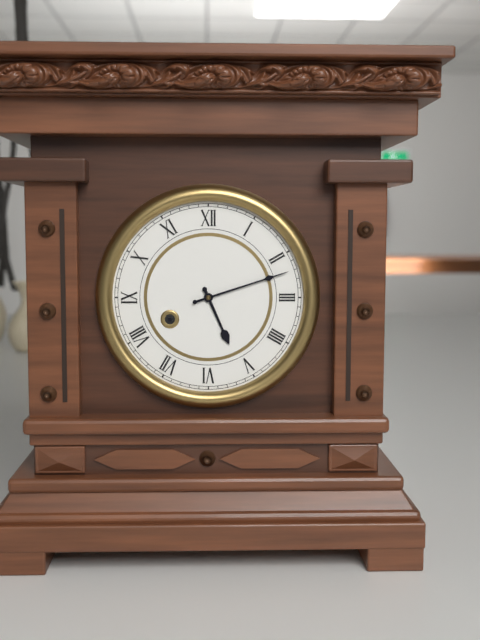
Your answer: 5 h 12 min
